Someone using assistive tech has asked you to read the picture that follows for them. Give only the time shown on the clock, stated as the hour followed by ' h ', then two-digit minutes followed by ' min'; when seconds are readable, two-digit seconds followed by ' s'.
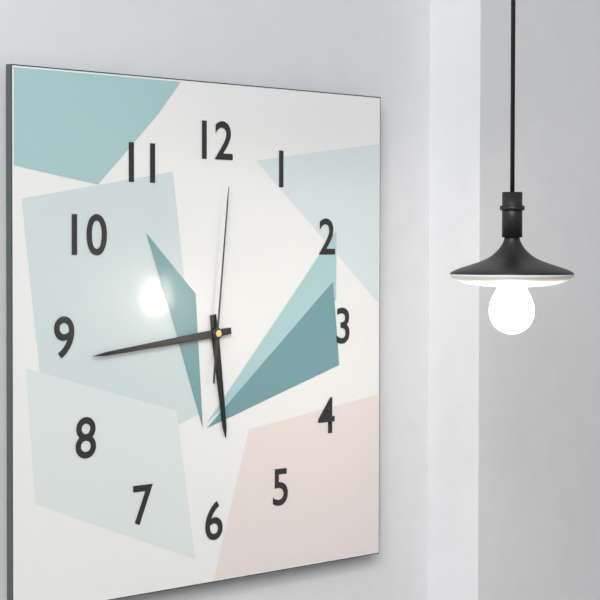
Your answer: 5 h 44 min 01 s
